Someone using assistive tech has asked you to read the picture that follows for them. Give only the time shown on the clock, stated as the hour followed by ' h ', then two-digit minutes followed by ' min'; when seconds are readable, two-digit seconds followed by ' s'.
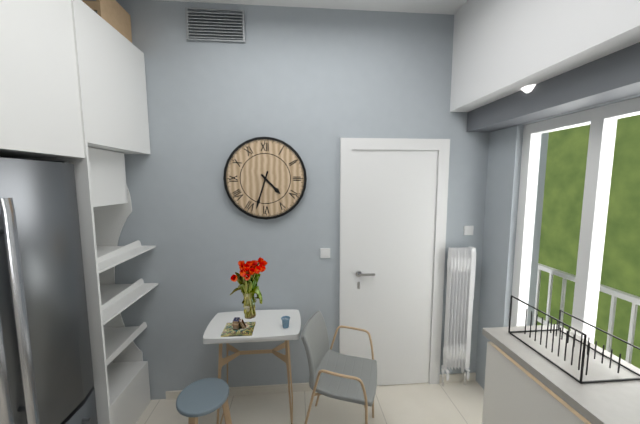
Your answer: 4 h 33 min
